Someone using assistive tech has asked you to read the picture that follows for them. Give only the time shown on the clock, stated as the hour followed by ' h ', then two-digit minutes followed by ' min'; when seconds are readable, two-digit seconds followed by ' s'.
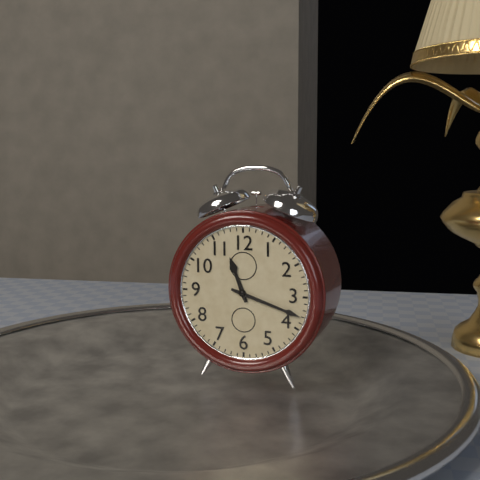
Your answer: 11 h 18 min
